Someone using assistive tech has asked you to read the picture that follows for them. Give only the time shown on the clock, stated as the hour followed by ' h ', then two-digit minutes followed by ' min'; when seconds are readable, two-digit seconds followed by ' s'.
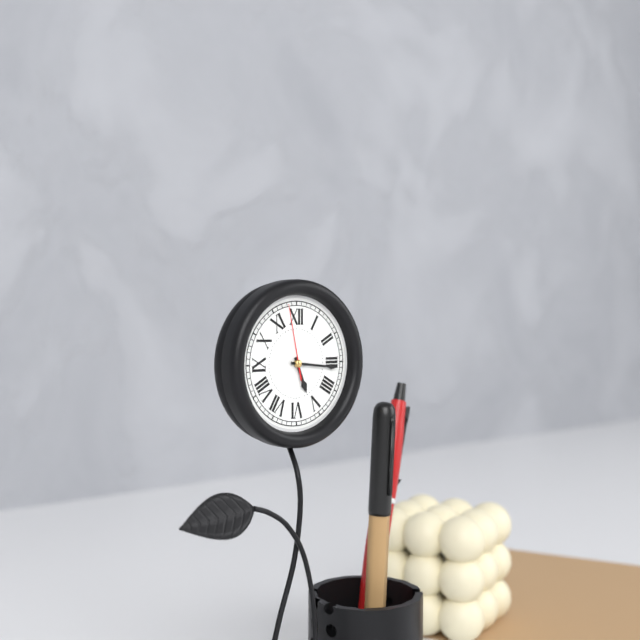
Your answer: 5 h 16 min 58 s
